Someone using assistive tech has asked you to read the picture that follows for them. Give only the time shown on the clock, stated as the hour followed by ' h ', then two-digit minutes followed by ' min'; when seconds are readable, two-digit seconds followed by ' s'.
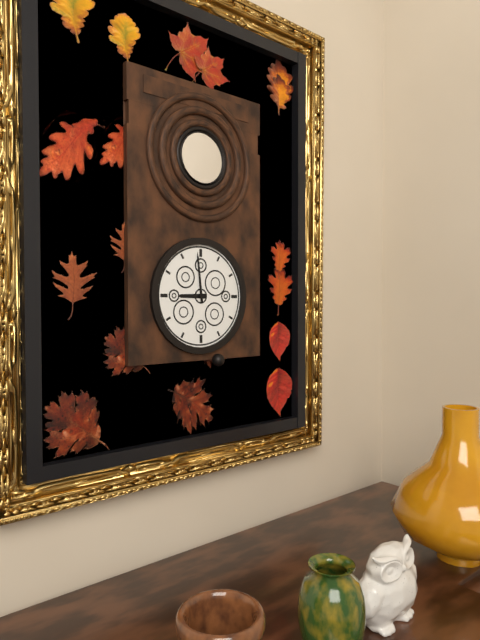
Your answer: 8 h 59 min
